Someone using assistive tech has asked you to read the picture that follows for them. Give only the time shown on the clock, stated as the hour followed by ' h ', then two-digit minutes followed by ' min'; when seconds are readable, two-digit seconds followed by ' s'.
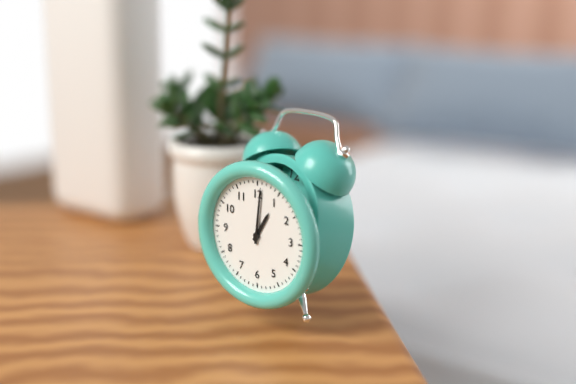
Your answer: 1 h 01 min
